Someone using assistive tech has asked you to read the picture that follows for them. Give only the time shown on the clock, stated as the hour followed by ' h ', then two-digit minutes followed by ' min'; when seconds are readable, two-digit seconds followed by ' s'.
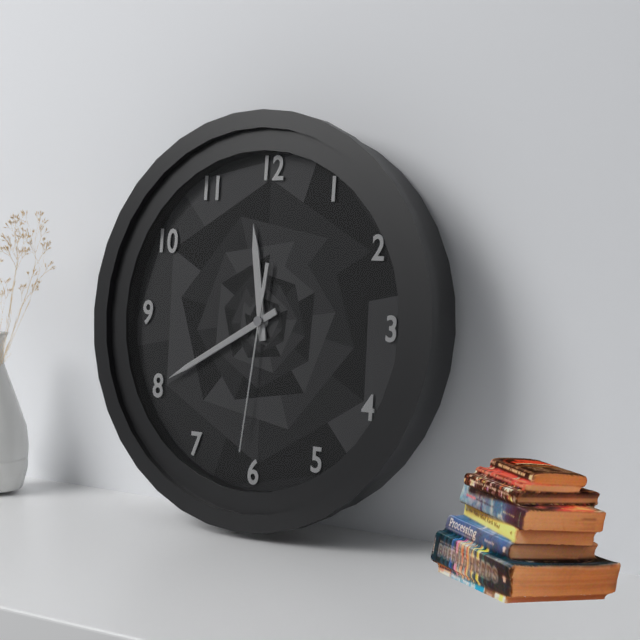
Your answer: 11 h 40 min 31 s
